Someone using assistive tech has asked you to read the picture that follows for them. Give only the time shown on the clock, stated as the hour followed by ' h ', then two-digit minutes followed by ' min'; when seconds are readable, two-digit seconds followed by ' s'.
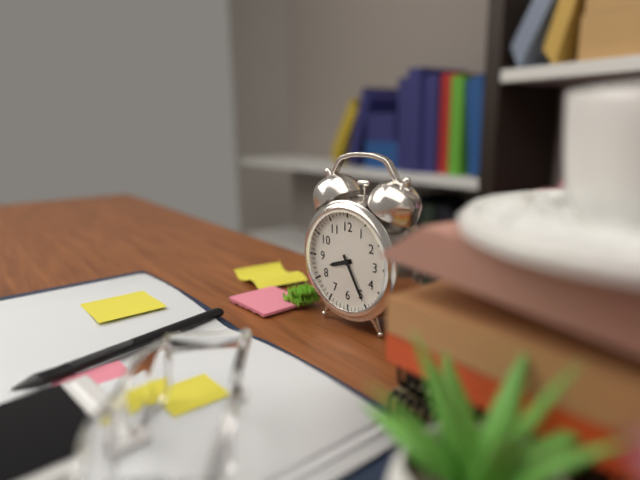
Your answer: 8 h 25 min
